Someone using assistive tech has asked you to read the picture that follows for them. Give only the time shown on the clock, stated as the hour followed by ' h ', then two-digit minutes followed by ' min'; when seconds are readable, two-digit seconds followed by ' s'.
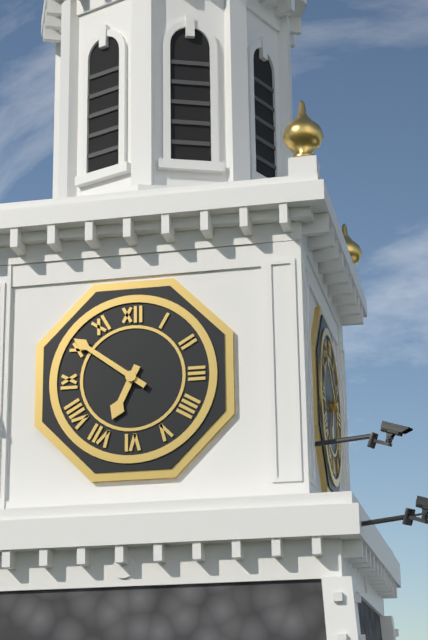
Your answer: 6 h 51 min
